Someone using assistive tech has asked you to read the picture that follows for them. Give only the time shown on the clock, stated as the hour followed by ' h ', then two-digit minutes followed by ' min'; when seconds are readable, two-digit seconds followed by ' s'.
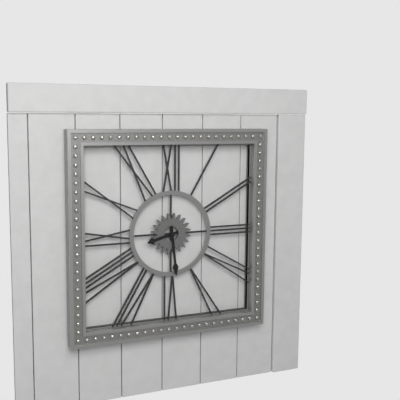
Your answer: 8 h 29 min
